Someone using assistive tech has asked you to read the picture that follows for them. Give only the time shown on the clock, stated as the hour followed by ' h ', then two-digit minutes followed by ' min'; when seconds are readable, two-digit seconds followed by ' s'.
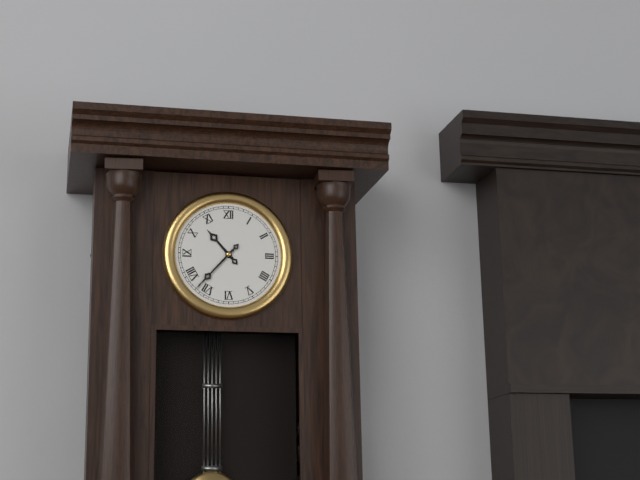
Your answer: 10 h 37 min
